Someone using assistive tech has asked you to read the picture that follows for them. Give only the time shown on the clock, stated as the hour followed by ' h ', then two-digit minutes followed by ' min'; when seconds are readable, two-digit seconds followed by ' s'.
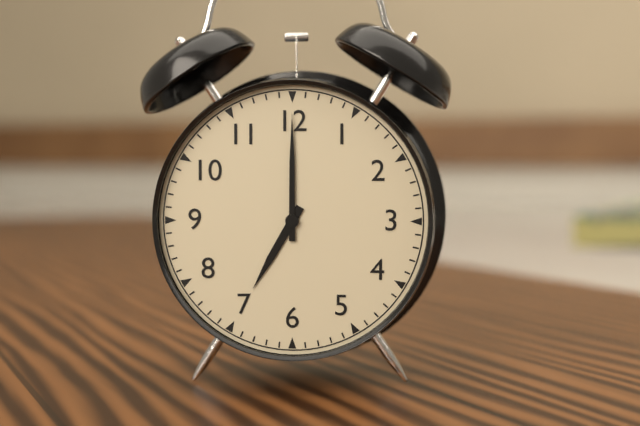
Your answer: 7 h 00 min
